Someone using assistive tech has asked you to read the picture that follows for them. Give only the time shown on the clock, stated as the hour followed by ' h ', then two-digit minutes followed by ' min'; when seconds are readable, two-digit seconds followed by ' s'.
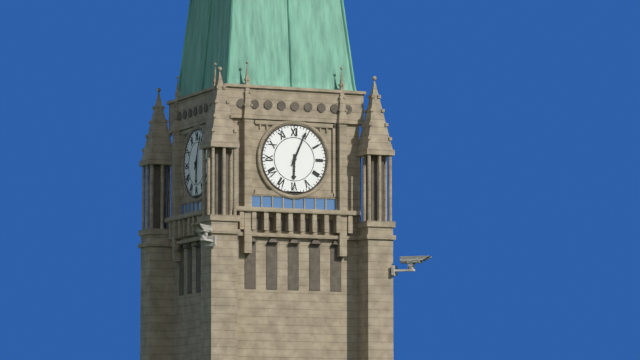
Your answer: 6 h 04 min
